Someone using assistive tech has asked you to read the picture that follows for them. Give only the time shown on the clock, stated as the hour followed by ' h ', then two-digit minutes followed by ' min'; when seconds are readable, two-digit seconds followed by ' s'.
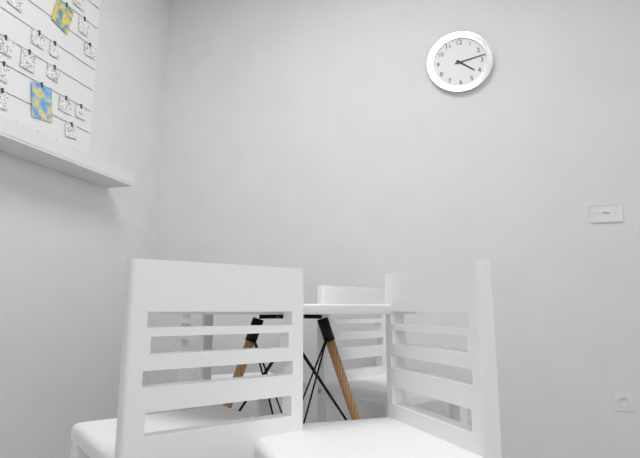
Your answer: 4 h 13 min
